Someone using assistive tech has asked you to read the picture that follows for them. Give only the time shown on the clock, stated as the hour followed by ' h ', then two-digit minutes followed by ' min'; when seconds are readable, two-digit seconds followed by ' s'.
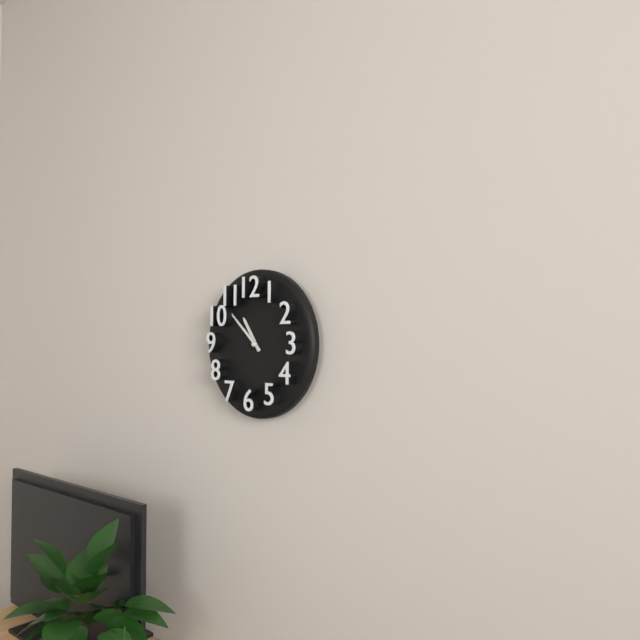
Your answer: 10 h 52 min
